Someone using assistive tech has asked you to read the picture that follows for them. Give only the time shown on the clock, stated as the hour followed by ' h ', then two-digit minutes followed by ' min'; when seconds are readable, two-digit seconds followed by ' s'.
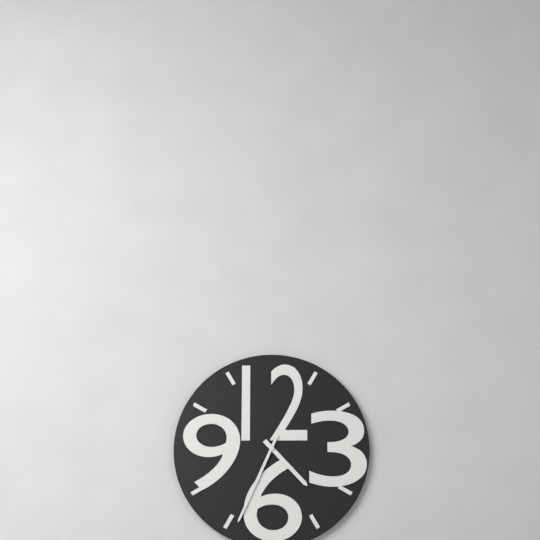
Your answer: 4 h 34 min
